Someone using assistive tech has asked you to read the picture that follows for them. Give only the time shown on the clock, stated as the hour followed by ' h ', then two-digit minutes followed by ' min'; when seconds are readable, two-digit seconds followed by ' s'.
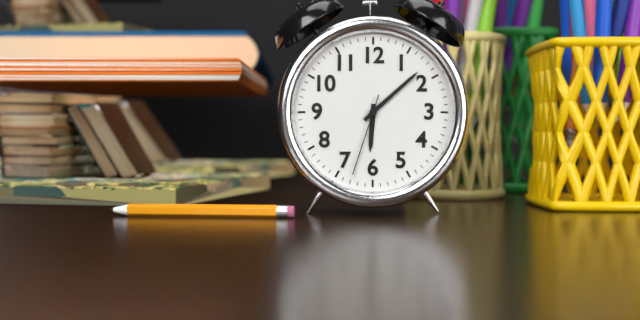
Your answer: 6 h 08 min 33 s
